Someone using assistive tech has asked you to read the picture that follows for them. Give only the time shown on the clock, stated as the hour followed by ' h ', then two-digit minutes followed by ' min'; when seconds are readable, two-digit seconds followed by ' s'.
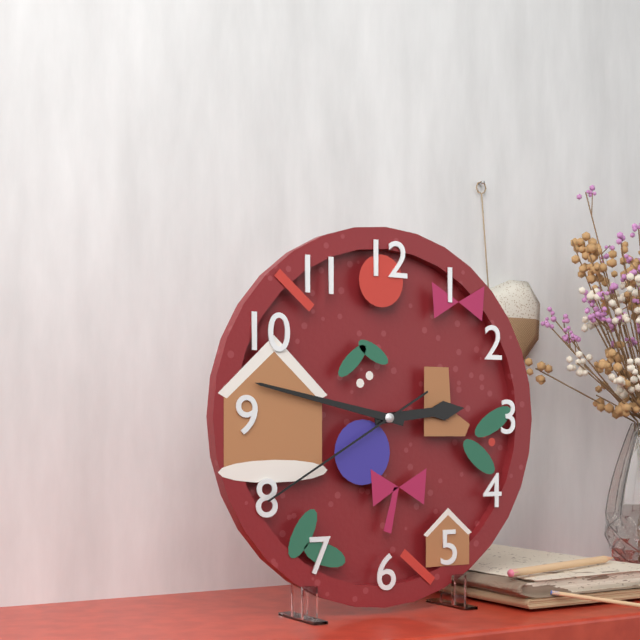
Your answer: 2 h 47 min 40 s
